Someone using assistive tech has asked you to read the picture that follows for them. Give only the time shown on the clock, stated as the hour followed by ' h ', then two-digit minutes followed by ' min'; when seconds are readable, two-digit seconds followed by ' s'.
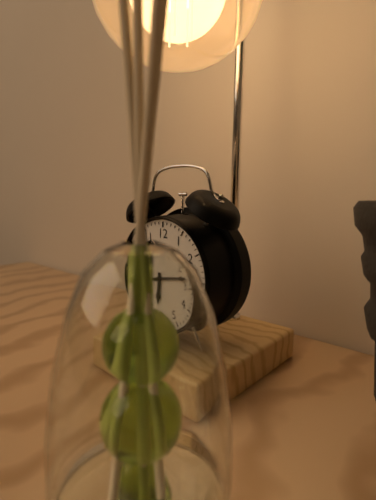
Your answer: 6 h 13 min
